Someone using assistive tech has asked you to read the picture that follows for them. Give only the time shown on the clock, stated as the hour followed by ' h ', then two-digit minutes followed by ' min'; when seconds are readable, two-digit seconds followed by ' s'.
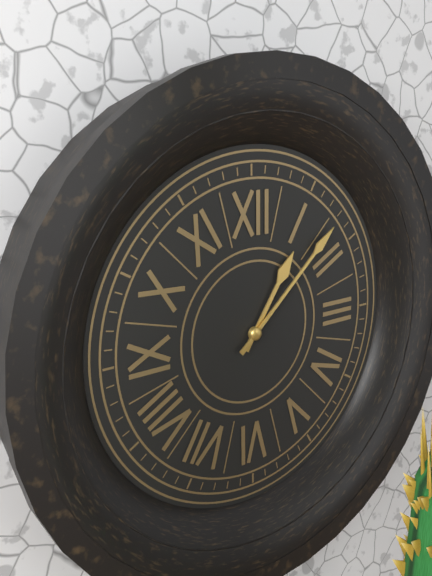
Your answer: 1 h 08 min
